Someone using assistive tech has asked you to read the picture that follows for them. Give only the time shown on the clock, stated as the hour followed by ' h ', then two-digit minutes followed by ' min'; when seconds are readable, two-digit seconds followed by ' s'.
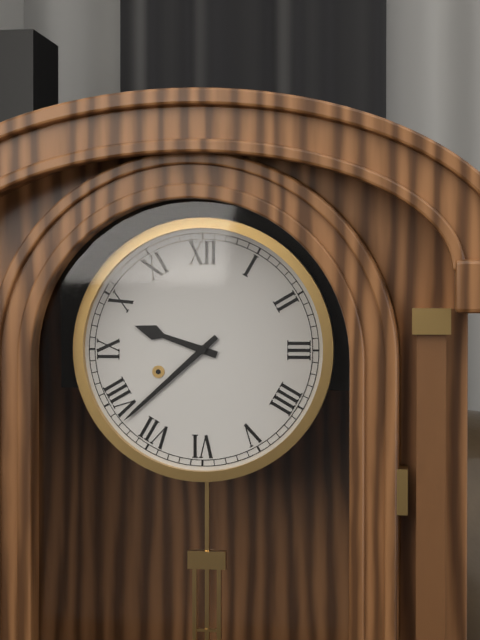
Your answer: 9 h 38 min
